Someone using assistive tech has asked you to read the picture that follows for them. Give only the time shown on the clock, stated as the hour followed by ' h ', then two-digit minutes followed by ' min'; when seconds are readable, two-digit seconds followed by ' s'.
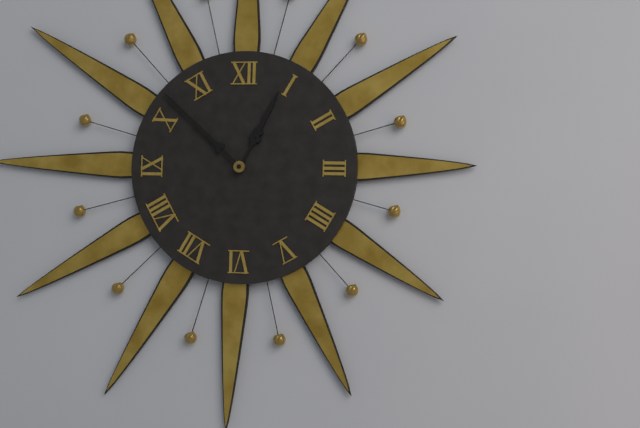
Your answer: 12 h 52 min
